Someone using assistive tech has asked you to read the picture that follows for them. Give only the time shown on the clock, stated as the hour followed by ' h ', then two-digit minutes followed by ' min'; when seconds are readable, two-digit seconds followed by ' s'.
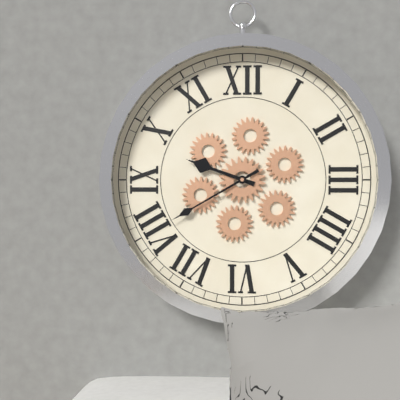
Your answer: 9 h 40 min
